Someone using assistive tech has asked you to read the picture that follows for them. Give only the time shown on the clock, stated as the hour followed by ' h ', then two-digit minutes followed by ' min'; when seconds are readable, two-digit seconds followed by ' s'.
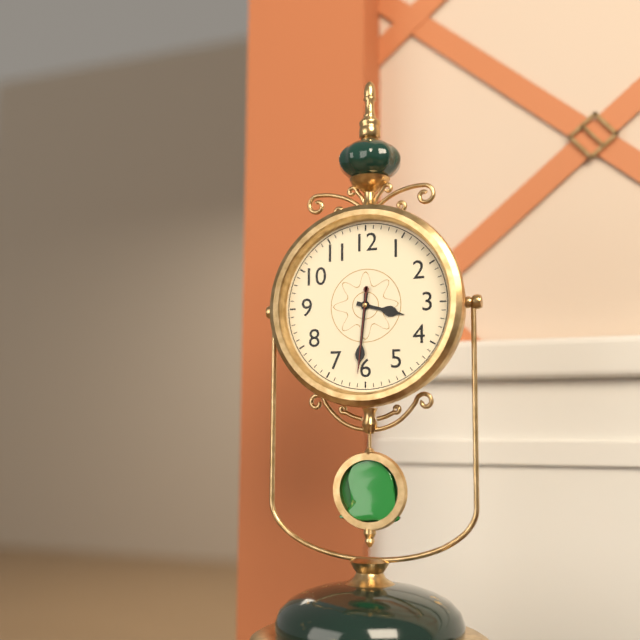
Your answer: 3 h 31 min 31 s
